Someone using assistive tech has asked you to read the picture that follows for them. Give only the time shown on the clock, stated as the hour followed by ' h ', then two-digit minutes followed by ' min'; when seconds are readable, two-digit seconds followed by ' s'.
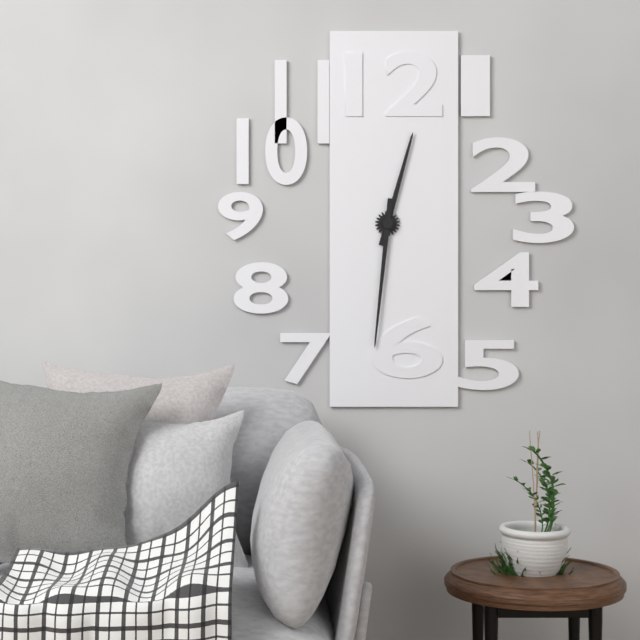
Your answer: 12 h 31 min
